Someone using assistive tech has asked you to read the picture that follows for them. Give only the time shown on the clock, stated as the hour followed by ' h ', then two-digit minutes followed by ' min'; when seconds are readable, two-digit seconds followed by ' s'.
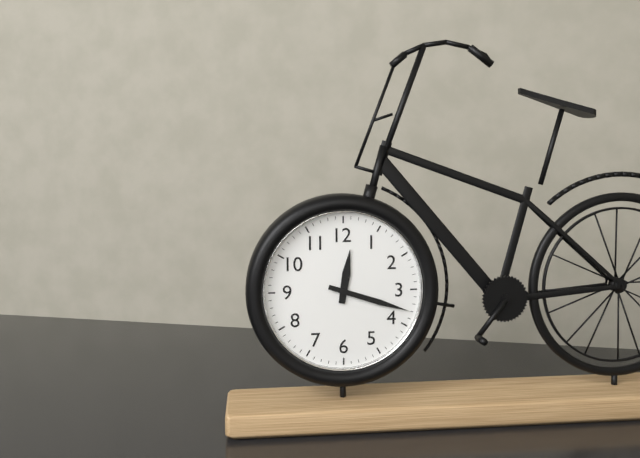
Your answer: 12 h 18 min
